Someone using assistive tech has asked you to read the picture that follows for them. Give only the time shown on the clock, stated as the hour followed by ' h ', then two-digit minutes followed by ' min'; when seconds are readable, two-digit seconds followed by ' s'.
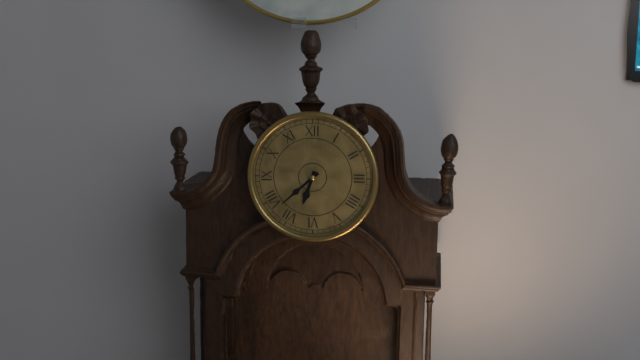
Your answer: 6 h 38 min
